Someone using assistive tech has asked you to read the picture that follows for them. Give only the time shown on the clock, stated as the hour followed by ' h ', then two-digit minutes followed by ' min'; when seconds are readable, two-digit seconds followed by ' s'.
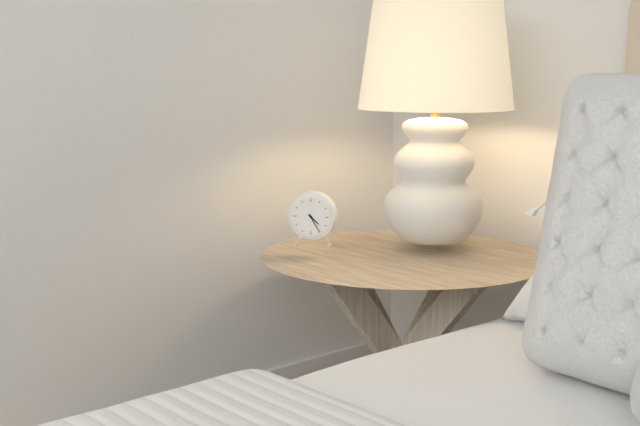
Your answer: 4 h 25 min
